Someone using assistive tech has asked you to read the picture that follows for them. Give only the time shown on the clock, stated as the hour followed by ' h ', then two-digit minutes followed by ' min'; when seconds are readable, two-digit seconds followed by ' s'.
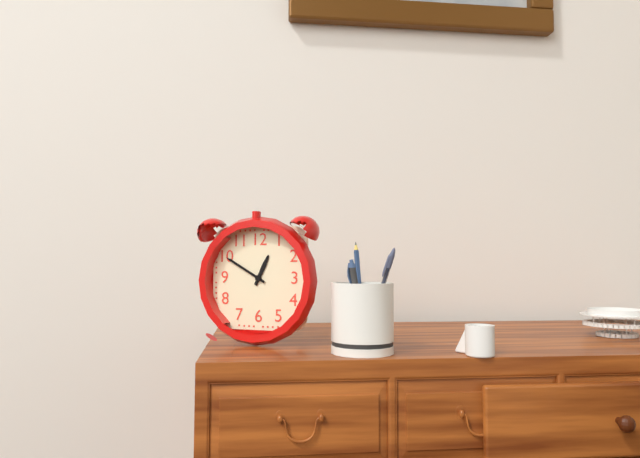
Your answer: 12 h 50 min
